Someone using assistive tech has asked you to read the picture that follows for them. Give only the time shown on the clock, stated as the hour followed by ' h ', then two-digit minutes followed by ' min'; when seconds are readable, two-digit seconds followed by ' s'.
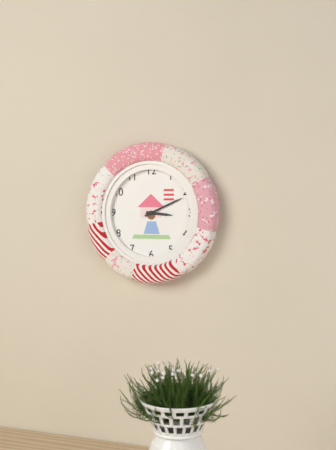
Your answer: 3 h 11 min
